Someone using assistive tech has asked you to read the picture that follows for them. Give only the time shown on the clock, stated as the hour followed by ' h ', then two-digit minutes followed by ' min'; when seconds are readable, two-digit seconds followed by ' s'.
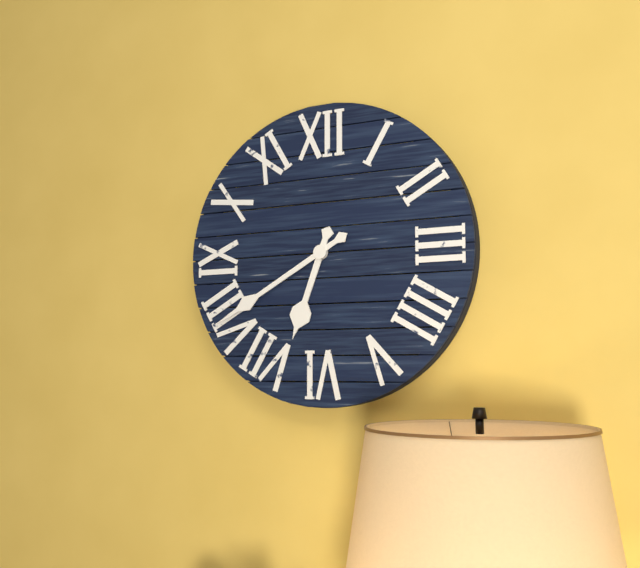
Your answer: 6 h 40 min
